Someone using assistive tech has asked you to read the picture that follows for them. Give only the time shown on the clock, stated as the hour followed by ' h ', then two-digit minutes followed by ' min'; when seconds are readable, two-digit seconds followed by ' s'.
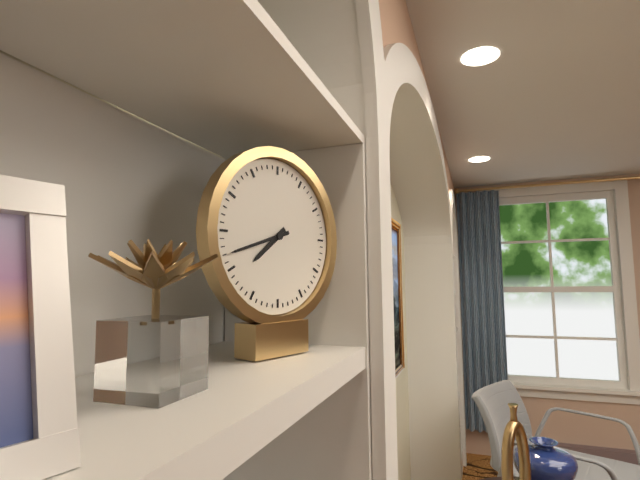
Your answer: 7 h 42 min
